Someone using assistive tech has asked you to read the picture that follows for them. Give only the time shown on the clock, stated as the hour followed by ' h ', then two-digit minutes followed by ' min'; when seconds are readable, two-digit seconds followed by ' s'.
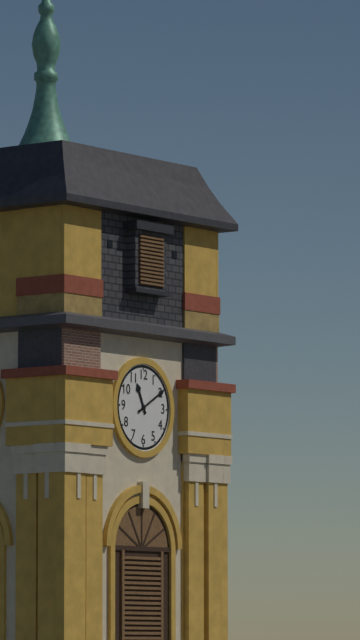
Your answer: 11 h 10 min
